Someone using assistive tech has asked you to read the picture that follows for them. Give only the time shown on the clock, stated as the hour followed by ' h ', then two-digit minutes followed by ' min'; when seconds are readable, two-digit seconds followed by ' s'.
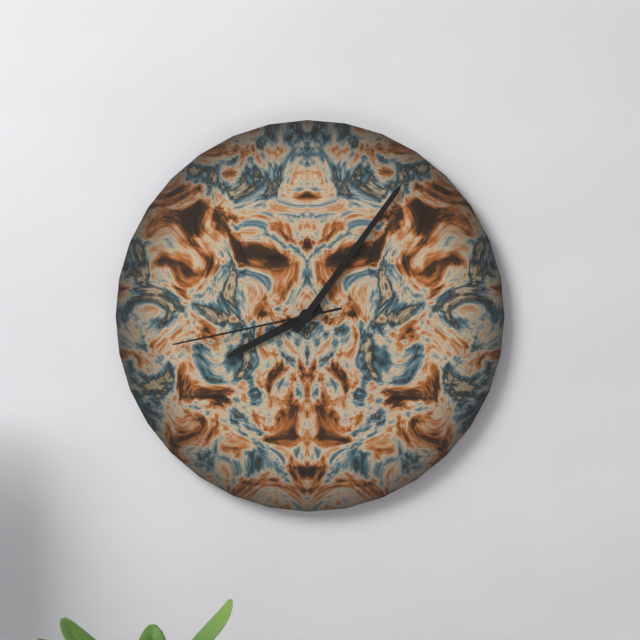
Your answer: 8 h 06 min 43 s
